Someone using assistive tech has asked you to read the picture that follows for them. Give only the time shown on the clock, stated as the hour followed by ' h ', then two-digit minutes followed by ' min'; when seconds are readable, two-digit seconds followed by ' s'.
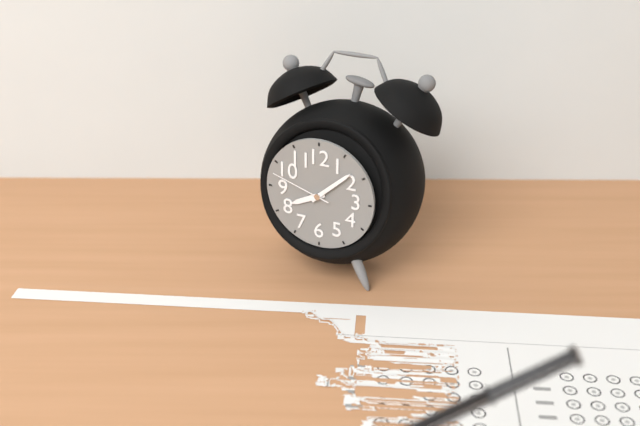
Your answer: 8 h 08 min 48 s
